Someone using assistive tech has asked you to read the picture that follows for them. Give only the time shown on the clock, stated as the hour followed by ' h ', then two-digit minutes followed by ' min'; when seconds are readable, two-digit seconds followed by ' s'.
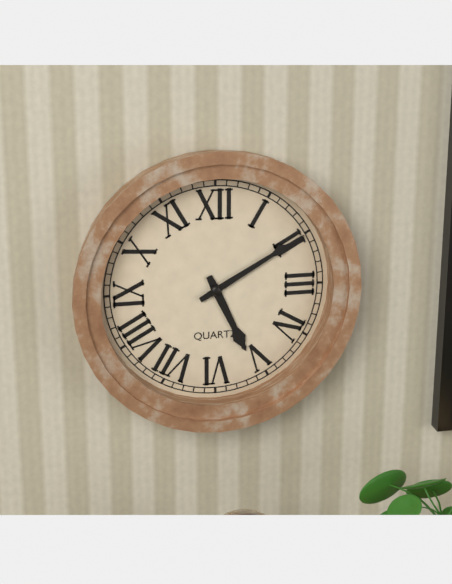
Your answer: 5 h 10 min
